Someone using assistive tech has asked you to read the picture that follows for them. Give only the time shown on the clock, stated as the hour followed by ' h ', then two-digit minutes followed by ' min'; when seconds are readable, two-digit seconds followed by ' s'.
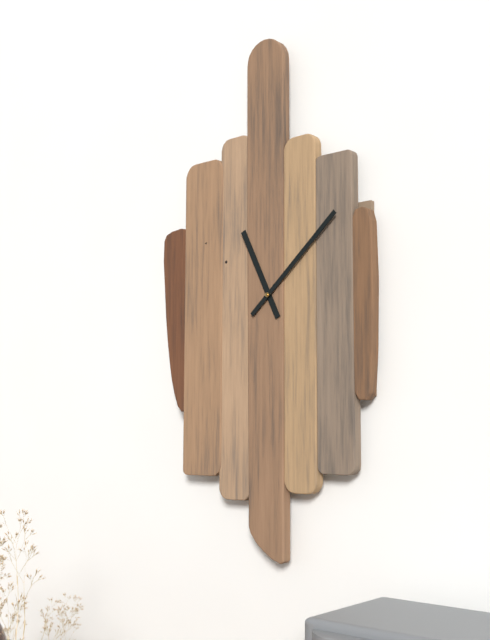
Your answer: 11 h 08 min
